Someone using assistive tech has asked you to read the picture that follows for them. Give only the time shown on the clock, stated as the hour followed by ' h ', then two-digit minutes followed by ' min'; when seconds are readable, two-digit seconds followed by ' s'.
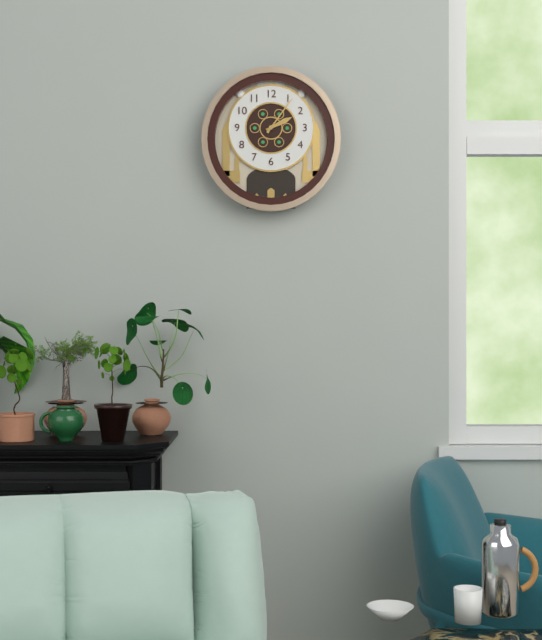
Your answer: 2 h 06 min
